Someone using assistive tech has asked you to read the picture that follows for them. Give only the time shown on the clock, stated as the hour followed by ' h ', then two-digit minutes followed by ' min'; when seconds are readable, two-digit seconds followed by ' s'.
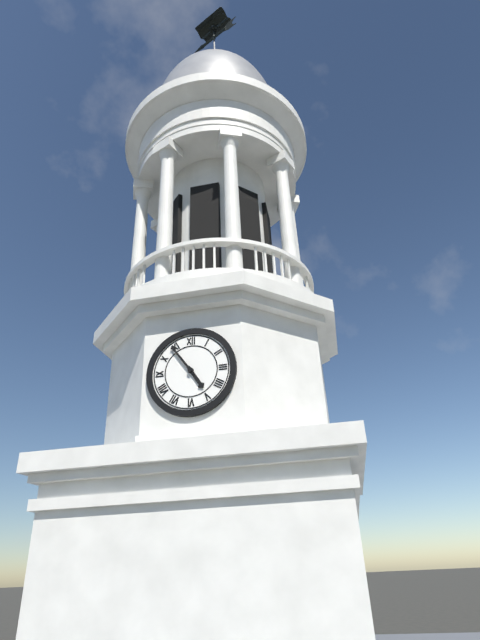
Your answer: 4 h 54 min
